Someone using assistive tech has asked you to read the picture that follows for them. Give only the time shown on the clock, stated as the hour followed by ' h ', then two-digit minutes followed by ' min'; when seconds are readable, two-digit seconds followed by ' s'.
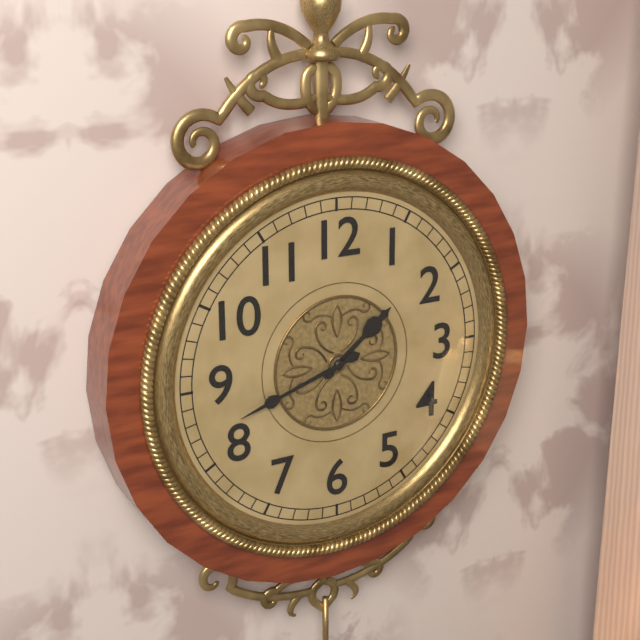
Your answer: 1 h 42 min
